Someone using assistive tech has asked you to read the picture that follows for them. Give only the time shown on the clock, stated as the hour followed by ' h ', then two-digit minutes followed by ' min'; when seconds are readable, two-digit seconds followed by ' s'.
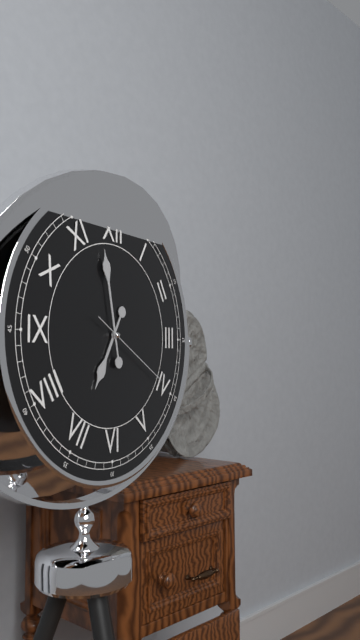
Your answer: 6 h 58 min 20 s
